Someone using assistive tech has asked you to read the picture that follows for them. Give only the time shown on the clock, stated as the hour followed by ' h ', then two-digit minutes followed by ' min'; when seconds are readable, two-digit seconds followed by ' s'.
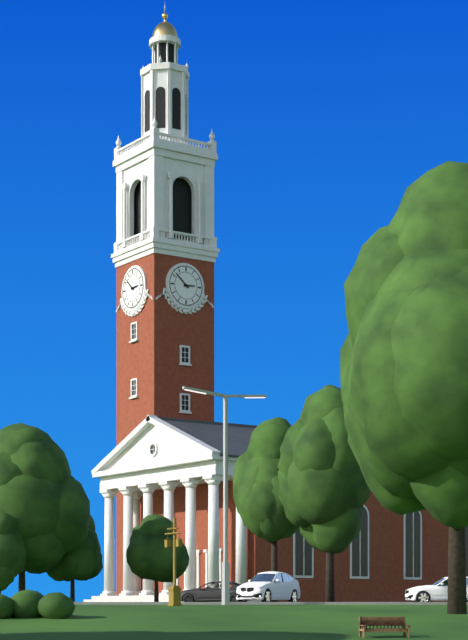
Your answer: 2 h 52 min
